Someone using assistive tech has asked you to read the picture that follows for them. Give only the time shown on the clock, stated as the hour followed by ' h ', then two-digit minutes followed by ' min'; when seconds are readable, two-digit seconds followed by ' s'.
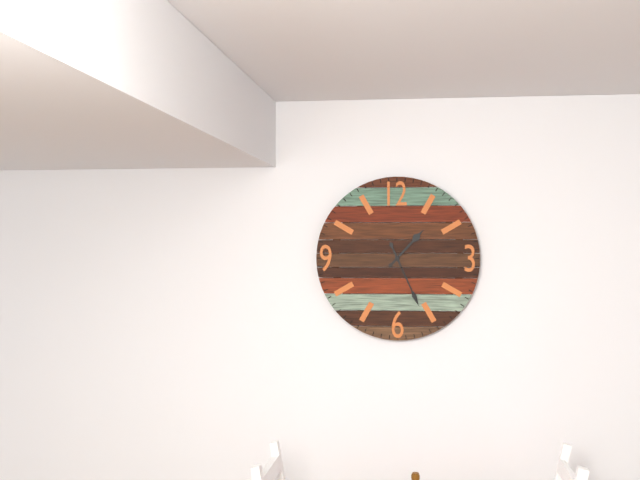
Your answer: 1 h 26 min
